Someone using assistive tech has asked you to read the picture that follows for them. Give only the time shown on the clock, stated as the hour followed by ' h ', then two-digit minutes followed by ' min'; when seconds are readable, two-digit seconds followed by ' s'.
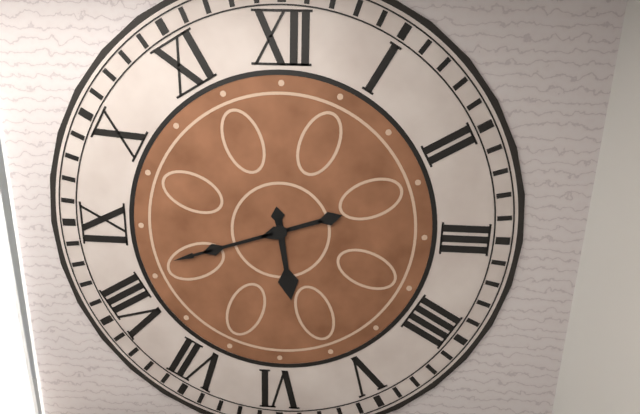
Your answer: 5 h 42 min
